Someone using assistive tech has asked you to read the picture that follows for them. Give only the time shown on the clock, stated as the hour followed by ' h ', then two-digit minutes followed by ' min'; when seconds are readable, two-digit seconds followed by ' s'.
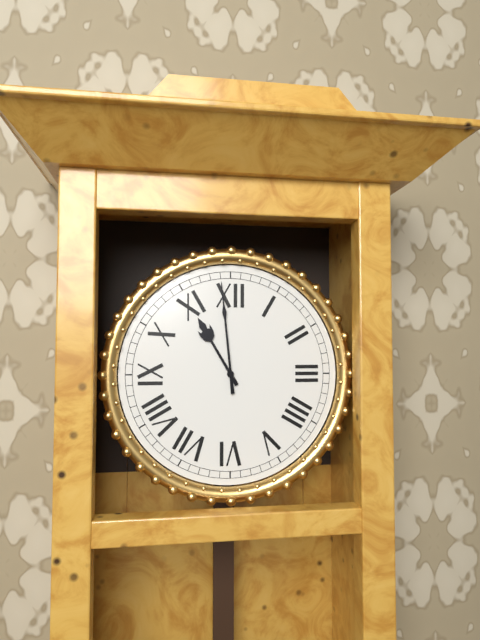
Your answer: 10 h 59 min
